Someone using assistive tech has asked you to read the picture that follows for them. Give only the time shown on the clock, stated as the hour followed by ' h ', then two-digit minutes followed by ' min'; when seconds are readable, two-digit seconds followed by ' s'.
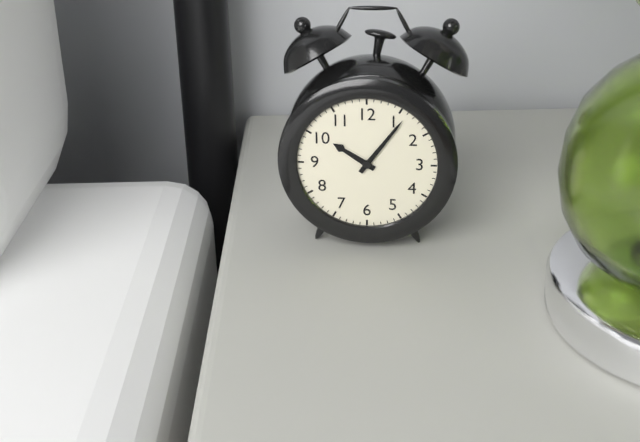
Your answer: 10 h 06 min
